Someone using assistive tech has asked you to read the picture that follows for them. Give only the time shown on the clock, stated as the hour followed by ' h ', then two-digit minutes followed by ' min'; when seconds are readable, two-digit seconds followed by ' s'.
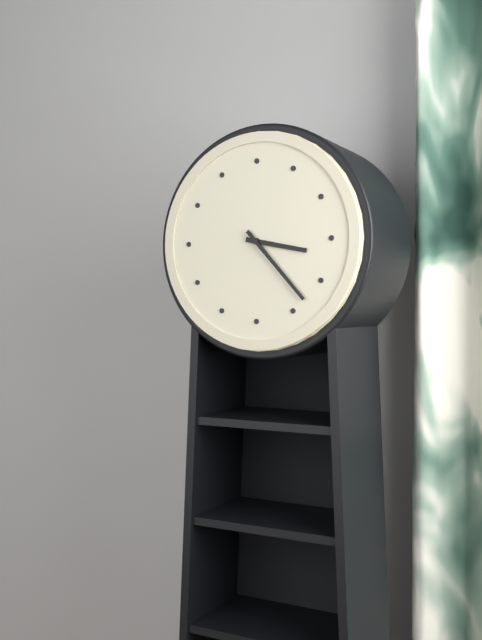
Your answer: 3 h 23 min
